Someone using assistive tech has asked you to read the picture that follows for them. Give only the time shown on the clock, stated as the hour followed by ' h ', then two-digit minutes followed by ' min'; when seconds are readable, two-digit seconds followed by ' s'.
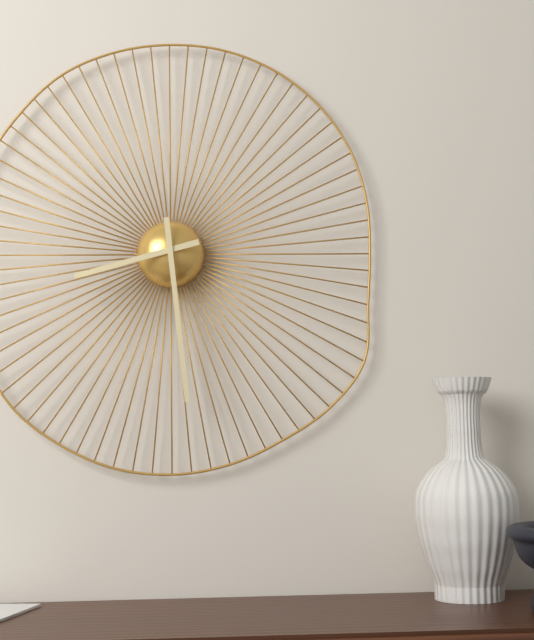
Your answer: 8 h 29 min
